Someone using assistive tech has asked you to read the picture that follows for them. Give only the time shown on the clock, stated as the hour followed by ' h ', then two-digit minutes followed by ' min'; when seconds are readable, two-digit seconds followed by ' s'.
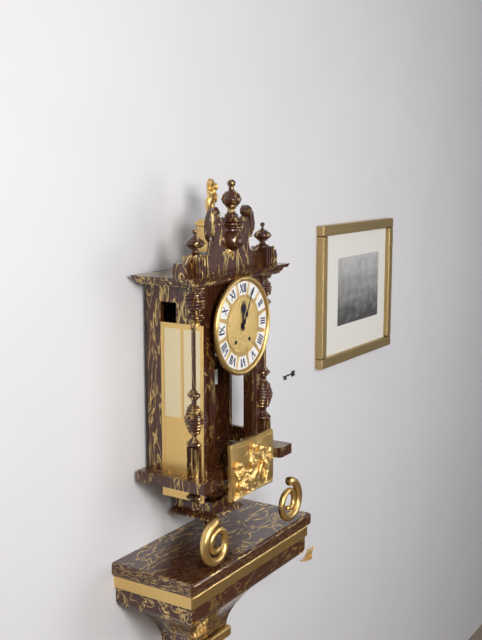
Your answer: 12 h 04 min
